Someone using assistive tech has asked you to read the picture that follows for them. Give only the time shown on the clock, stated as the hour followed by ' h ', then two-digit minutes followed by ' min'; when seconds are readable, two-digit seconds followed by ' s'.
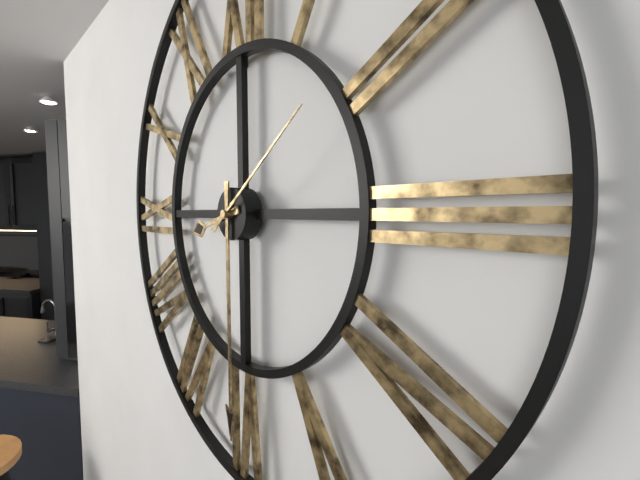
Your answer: 8 h 30 min 09 s
